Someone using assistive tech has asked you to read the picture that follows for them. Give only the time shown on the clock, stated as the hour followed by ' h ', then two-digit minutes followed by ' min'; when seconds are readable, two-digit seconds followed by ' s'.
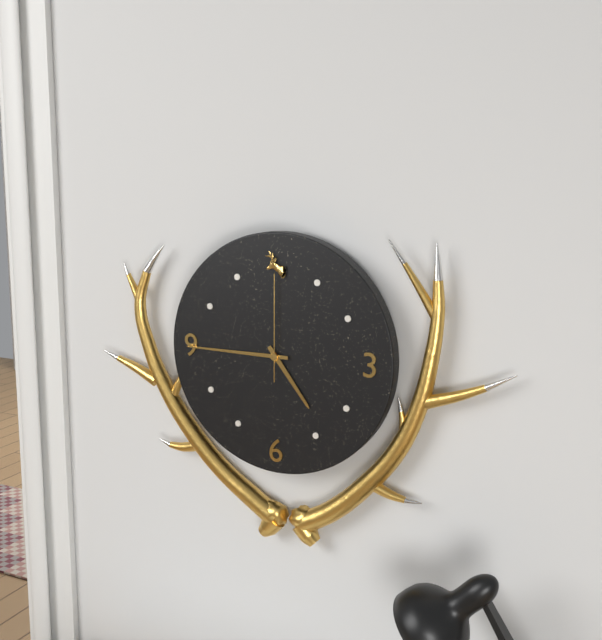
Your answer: 4 h 45 min 00 s
